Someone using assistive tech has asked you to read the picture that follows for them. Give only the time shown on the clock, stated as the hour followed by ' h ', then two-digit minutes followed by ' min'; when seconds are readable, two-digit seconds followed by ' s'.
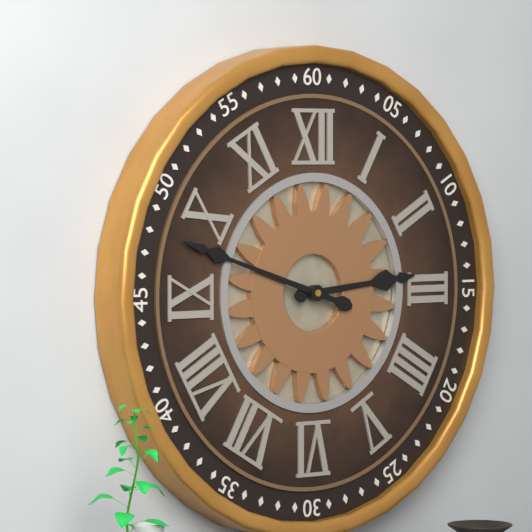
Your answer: 2 h 48 min
